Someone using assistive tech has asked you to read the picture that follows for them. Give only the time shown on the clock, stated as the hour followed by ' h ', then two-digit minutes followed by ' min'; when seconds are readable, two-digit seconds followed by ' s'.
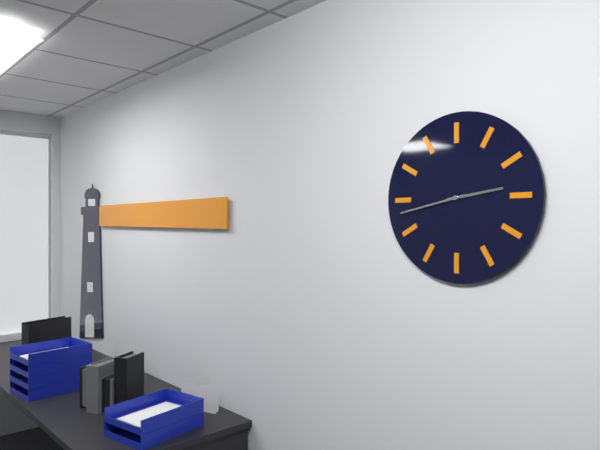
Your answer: 2 h 43 min
